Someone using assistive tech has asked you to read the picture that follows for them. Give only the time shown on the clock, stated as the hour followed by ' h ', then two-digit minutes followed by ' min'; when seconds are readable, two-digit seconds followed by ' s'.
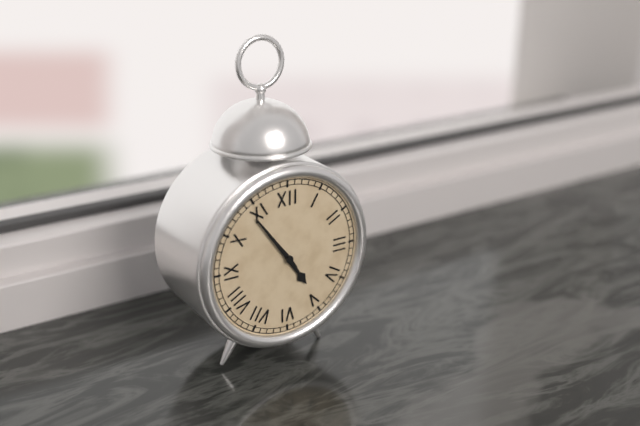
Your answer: 4 h 54 min
